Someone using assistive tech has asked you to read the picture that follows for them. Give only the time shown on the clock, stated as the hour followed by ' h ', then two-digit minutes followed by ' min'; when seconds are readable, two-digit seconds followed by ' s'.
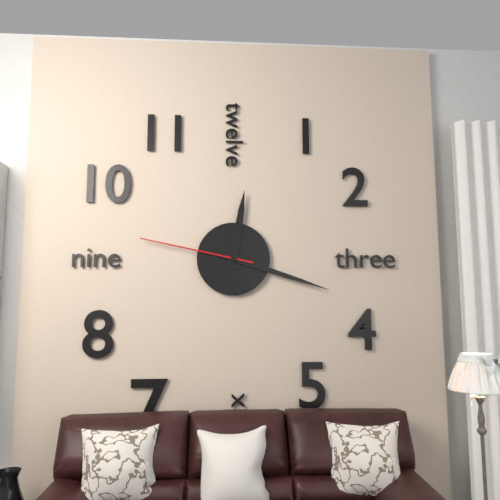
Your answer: 12 h 18 min 47 s
